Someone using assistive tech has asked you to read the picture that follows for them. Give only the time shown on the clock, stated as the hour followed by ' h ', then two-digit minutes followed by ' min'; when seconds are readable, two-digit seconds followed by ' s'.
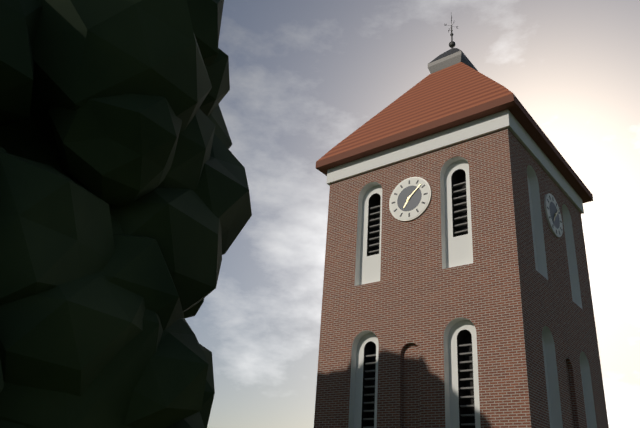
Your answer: 7 h 08 min
